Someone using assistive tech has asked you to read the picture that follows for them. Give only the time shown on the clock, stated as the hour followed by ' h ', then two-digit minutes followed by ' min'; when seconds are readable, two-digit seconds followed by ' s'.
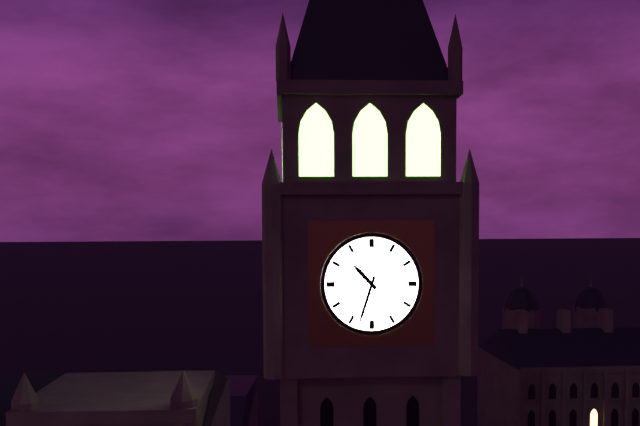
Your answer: 10 h 33 min
